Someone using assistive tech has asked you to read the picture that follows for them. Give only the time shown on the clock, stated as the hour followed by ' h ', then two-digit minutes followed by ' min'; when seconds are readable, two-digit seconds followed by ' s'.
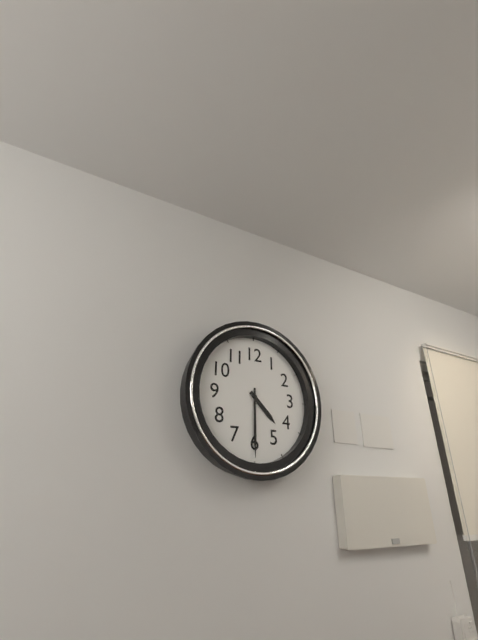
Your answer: 4 h 30 min
